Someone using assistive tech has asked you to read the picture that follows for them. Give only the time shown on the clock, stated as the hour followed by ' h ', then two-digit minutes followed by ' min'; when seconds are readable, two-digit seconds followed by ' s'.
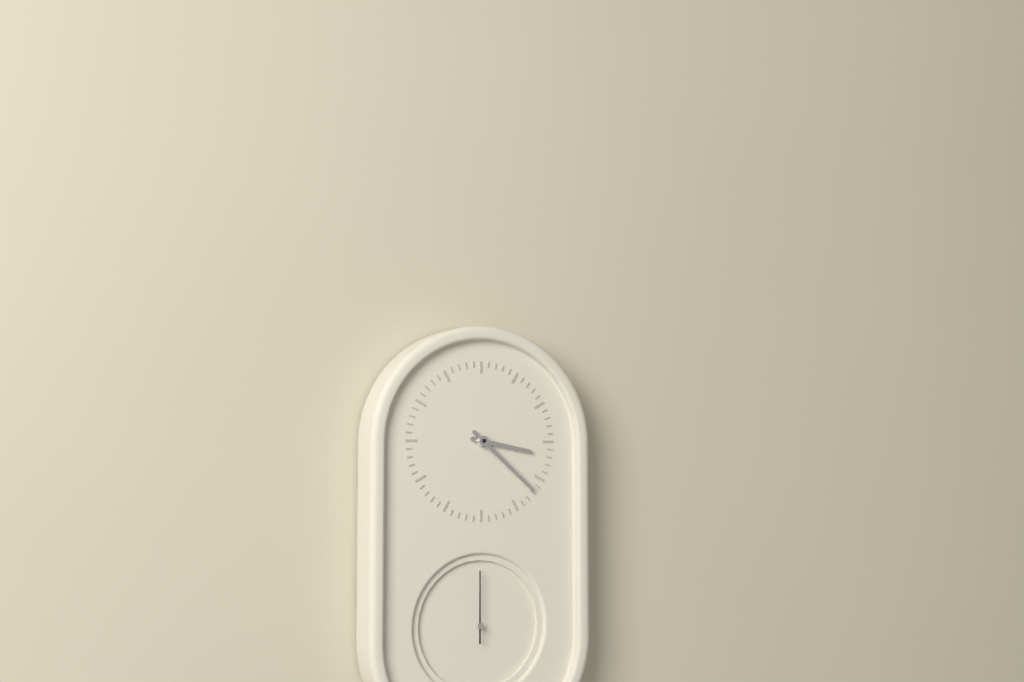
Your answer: 3 h 22 min 00 s
